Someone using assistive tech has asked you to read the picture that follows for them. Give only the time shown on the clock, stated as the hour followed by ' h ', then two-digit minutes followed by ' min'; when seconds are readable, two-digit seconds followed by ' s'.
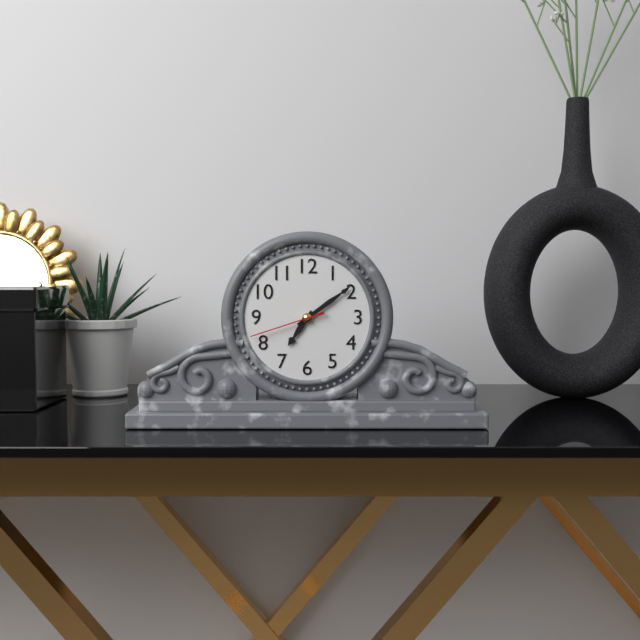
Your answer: 7 h 09 min 42 s
